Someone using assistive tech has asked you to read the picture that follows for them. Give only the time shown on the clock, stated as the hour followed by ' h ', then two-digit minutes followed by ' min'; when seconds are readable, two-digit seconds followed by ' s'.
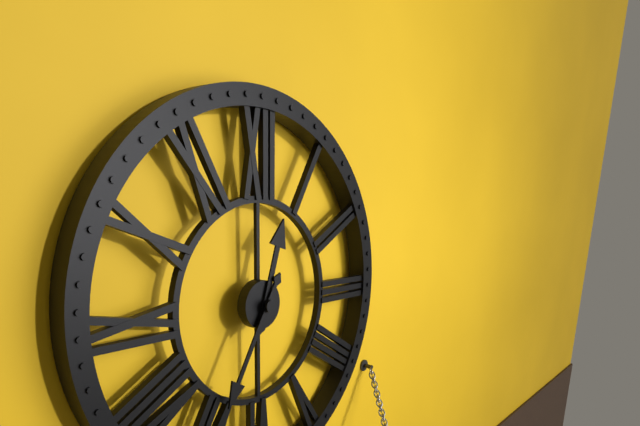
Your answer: 12 h 35 min
